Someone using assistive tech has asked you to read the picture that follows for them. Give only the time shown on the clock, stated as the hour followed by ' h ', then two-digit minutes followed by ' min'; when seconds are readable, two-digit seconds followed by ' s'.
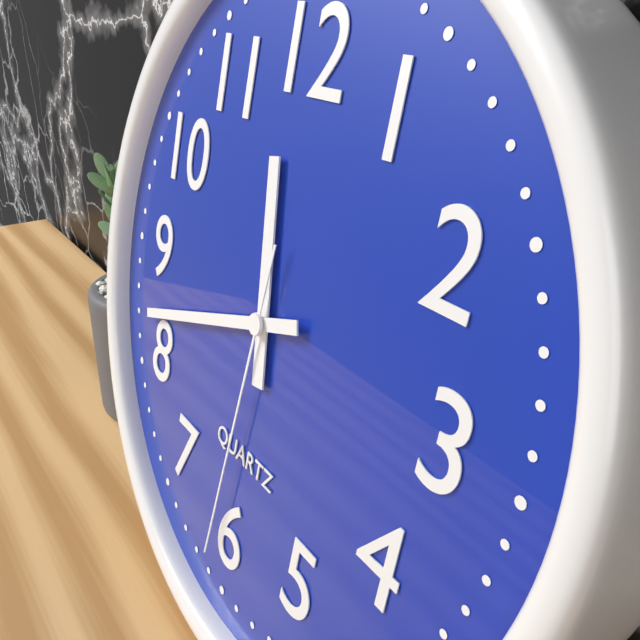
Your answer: 11 h 42 min 31 s
